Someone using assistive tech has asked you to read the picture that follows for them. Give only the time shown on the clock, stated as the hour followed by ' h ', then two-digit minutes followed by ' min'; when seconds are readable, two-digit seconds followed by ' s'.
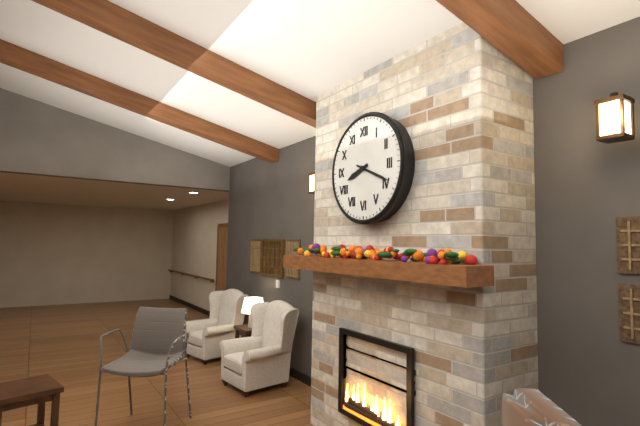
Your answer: 8 h 19 min
